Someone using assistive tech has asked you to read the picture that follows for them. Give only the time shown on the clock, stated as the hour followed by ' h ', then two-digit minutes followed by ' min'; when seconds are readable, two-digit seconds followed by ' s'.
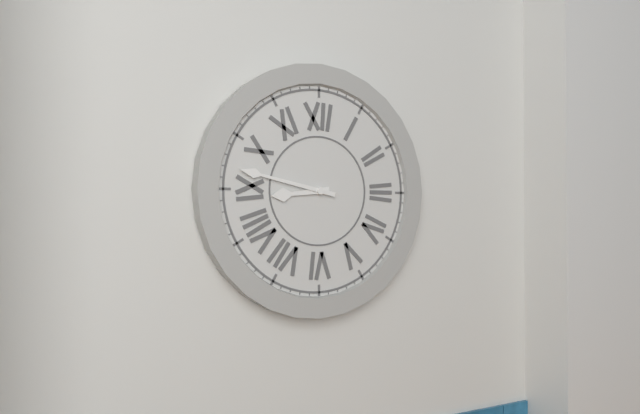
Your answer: 8 h 47 min
